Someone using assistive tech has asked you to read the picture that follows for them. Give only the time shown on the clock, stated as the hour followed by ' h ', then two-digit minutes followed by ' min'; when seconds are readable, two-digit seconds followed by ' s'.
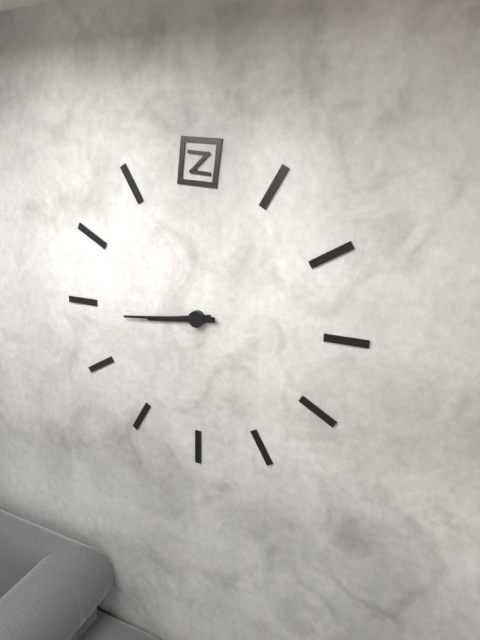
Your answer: 8 h 44 min
